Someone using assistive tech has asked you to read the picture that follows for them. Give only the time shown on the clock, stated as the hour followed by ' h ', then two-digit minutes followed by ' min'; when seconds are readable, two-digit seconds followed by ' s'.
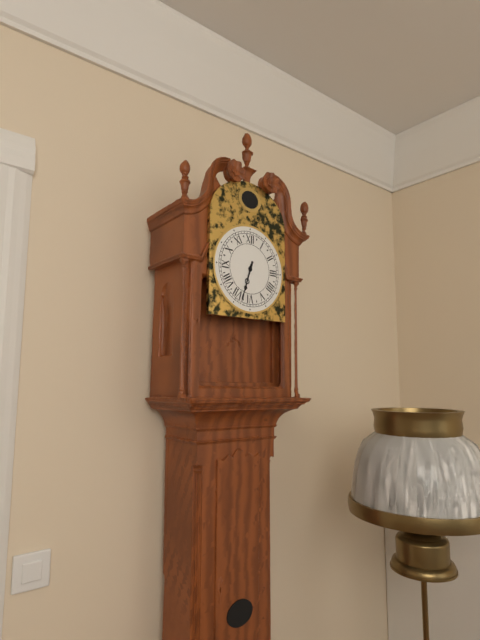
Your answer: 6 h 33 min
